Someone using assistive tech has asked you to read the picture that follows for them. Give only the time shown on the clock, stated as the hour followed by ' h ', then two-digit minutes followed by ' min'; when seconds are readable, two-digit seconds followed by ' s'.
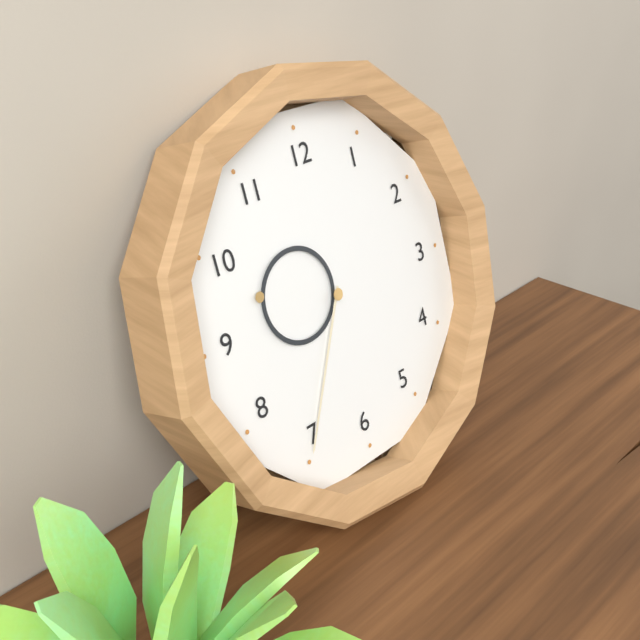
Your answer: 9 h 35 min
